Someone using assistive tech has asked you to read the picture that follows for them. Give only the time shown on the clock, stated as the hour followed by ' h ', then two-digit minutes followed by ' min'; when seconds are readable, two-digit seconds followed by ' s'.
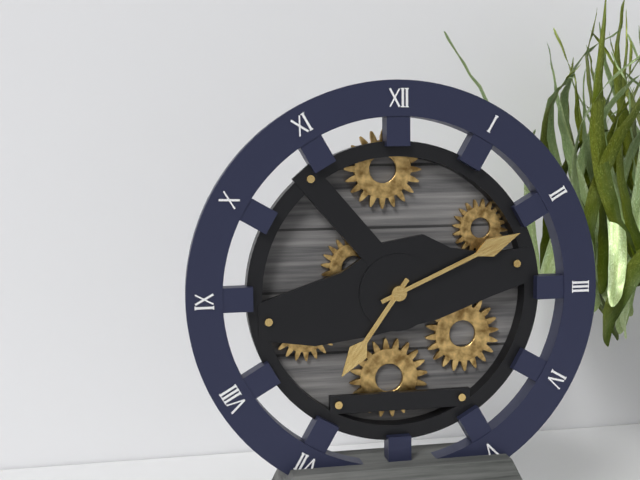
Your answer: 7 h 11 min
